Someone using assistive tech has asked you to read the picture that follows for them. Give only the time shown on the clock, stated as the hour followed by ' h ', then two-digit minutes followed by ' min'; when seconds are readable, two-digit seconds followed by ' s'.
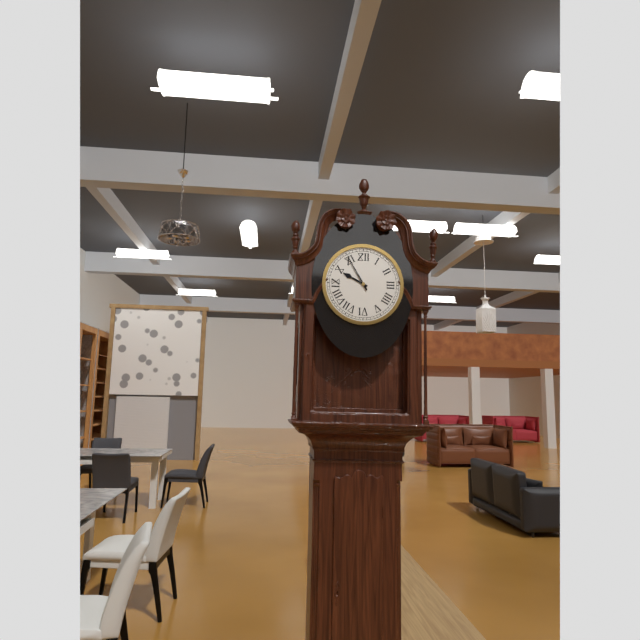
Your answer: 9 h 55 min
